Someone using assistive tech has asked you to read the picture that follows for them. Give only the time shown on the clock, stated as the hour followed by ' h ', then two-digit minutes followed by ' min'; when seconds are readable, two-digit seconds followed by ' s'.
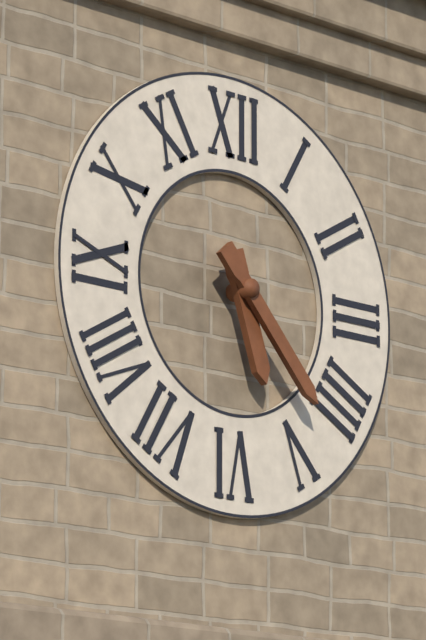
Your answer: 5 h 23 min
